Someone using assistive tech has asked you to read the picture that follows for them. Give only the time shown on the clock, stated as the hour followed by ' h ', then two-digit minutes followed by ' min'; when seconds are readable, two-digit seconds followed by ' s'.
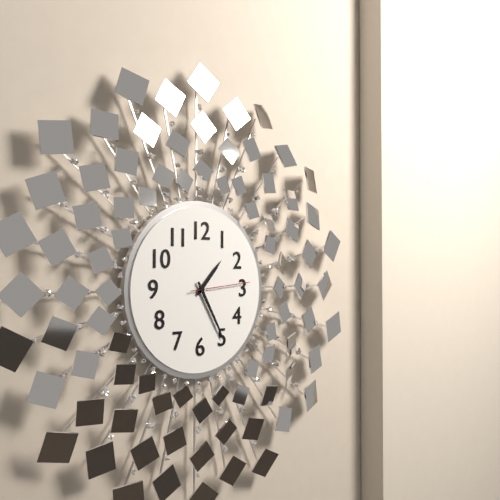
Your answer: 1 h 25 min 14 s
